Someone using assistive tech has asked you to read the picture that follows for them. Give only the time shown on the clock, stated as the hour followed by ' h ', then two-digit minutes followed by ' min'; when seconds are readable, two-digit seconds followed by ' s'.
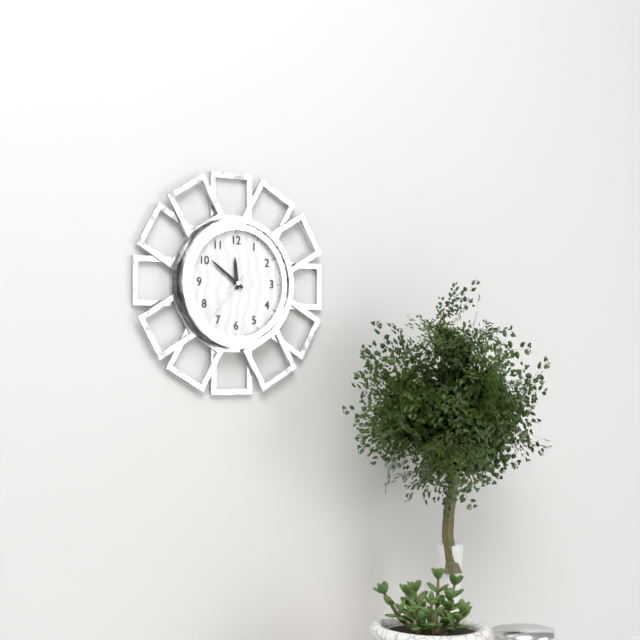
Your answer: 11 h 51 min 37 s
